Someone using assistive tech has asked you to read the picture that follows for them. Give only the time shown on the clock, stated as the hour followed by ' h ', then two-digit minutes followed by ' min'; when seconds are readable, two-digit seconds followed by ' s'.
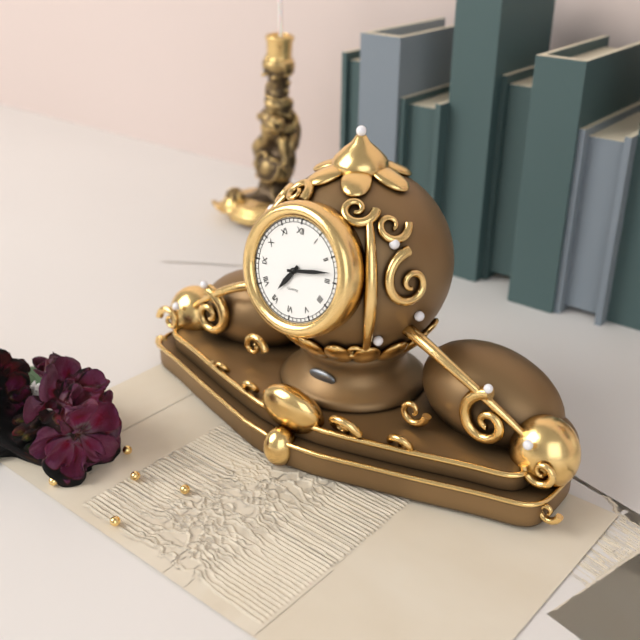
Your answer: 7 h 13 min
